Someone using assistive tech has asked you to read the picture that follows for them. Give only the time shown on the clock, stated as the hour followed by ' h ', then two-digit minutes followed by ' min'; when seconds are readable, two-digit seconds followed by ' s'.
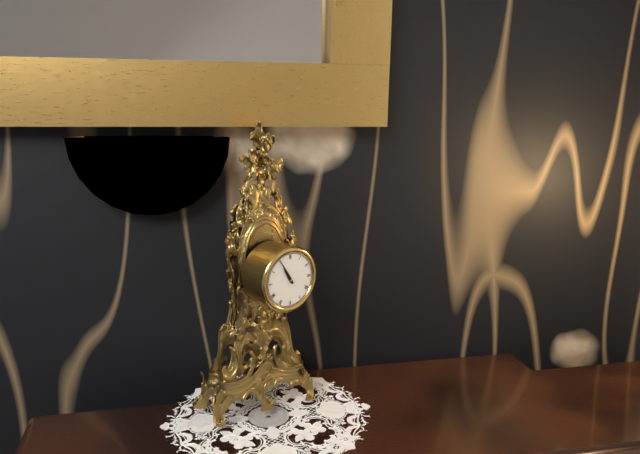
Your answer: 10 h 55 min
